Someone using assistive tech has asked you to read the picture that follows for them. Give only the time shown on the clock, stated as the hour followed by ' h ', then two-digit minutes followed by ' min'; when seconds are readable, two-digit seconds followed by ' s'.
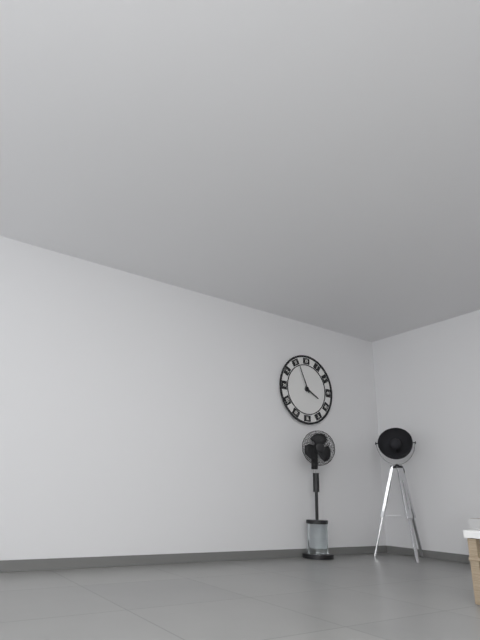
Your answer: 3 h 56 min
